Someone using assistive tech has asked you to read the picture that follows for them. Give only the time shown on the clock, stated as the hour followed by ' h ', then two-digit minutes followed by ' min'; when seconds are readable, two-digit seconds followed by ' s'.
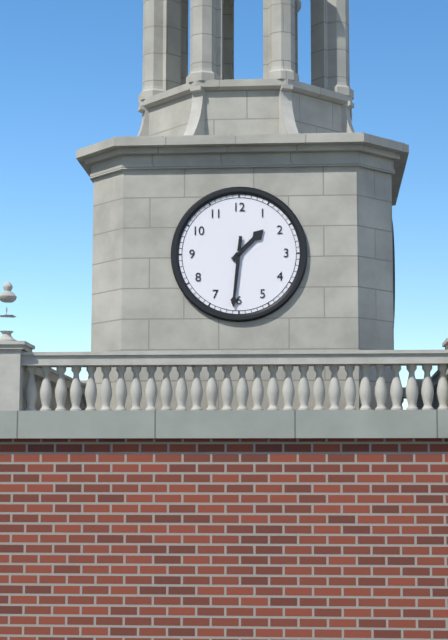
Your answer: 1 h 31 min
